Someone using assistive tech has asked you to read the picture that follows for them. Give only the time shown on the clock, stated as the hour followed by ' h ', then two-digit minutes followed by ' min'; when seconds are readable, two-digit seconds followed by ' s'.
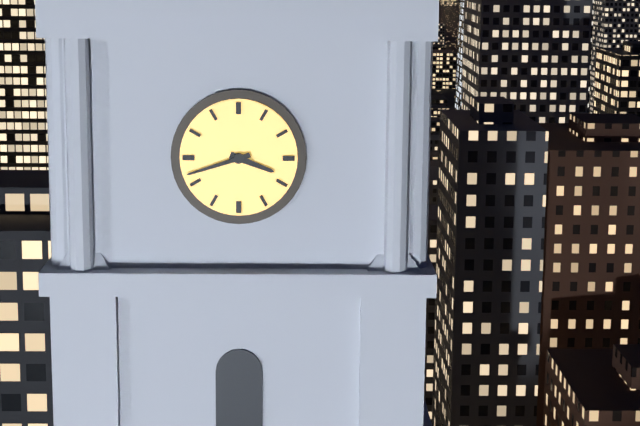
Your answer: 3 h 42 min
